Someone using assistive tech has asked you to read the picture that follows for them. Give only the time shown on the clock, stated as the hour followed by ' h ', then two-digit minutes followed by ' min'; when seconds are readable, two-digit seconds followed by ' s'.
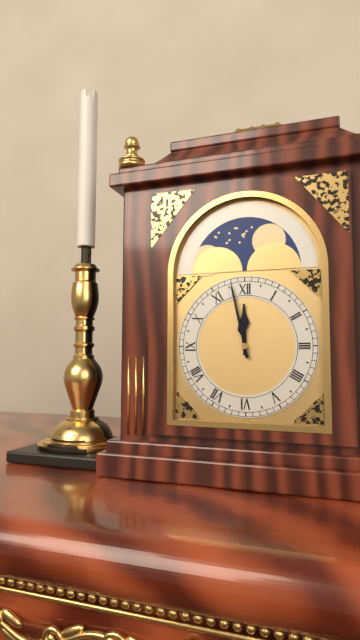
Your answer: 11 h 58 min
